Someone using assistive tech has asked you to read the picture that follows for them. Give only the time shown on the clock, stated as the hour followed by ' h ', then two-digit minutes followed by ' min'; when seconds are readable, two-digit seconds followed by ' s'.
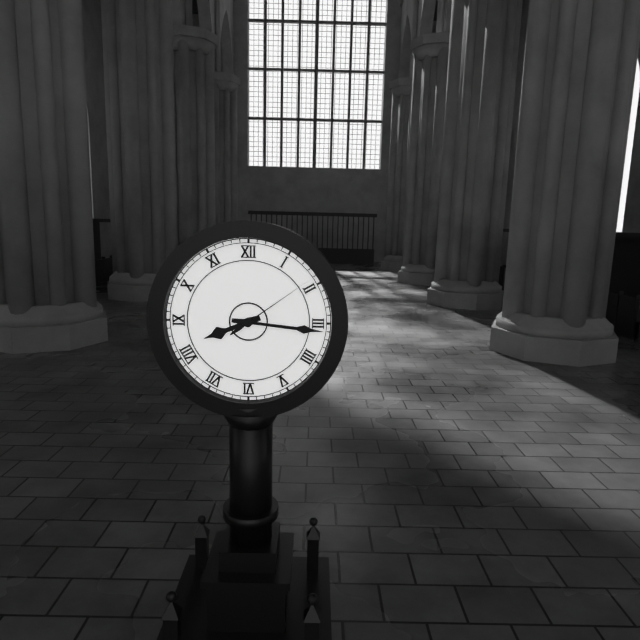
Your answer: 8 h 16 min 09 s
